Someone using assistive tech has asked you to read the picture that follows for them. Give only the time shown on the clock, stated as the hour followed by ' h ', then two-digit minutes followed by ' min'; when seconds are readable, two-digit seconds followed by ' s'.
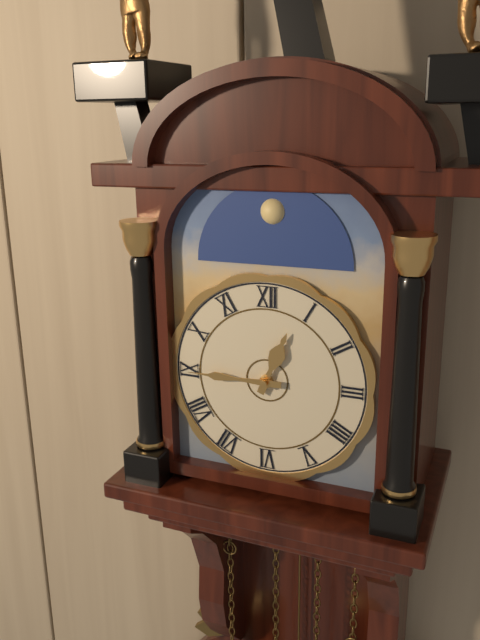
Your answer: 12 h 45 min
